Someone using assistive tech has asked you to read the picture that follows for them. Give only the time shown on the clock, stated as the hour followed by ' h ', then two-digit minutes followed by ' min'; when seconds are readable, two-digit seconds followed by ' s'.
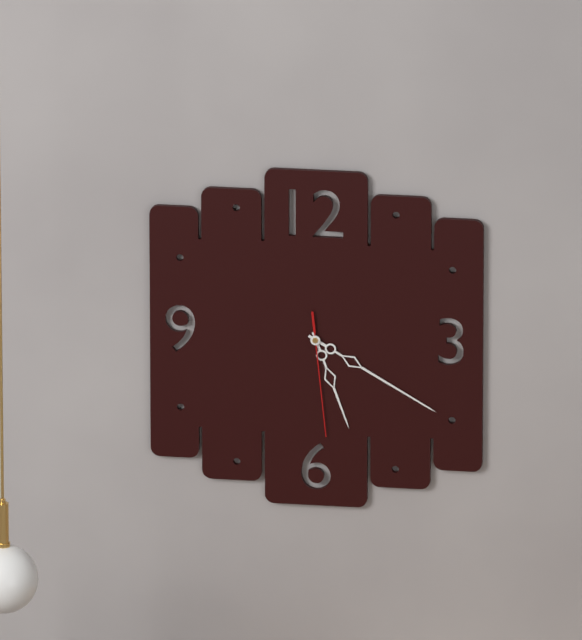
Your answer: 5 h 20 min 29 s
